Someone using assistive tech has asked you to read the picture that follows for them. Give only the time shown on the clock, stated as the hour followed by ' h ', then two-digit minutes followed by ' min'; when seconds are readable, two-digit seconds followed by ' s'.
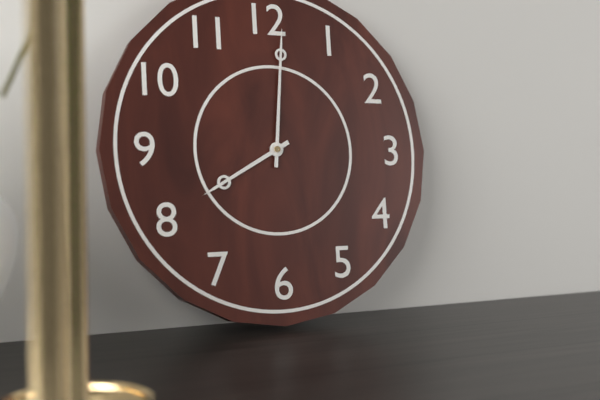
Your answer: 8 h 01 min
